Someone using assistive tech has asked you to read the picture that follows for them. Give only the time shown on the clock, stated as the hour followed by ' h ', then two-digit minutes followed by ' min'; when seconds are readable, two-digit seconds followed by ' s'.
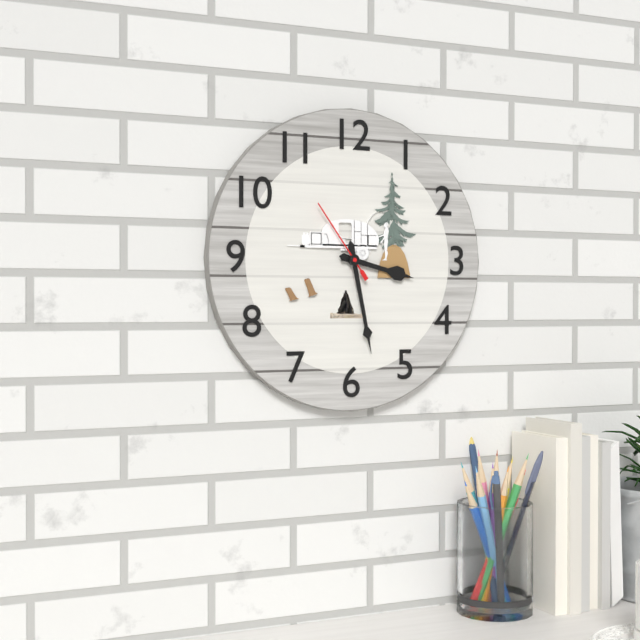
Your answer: 3 h 28 min 54 s
